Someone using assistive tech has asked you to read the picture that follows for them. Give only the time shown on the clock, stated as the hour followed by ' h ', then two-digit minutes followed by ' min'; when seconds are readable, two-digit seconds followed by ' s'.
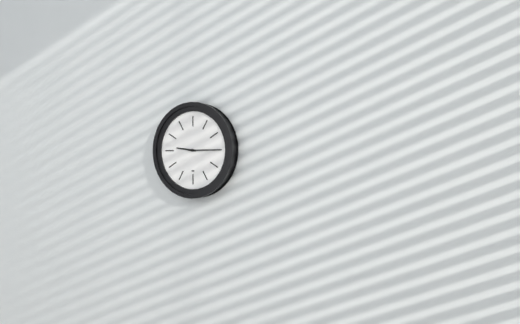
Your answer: 9 h 15 min
